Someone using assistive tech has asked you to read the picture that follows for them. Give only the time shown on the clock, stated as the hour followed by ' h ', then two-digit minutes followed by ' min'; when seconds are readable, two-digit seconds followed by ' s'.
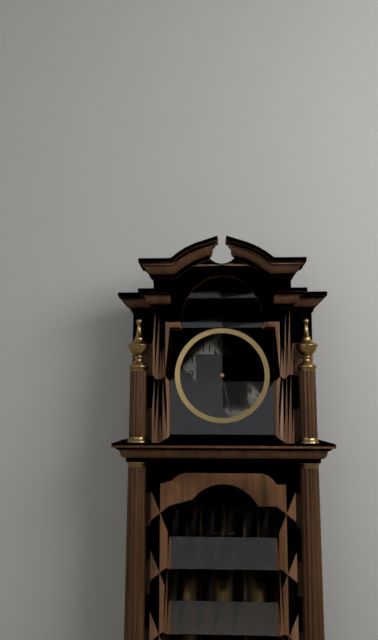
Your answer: 11 h 28 min
